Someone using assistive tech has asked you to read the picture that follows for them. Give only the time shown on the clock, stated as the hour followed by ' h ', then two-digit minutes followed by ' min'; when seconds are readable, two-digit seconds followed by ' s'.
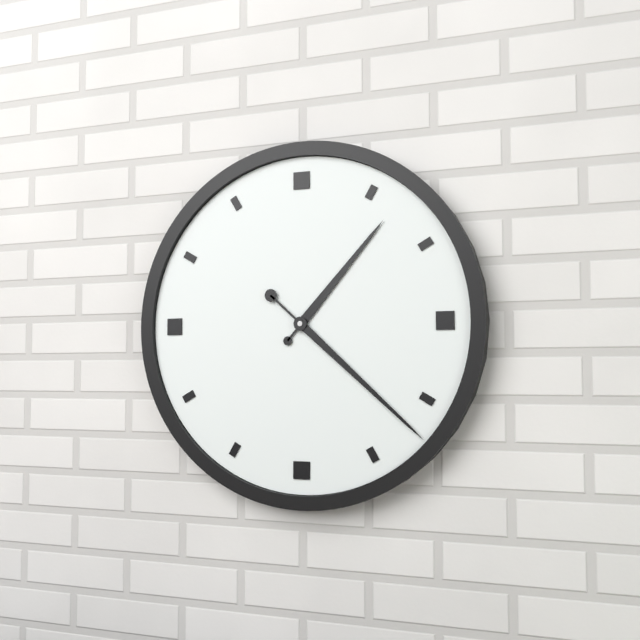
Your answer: 1 h 22 min
